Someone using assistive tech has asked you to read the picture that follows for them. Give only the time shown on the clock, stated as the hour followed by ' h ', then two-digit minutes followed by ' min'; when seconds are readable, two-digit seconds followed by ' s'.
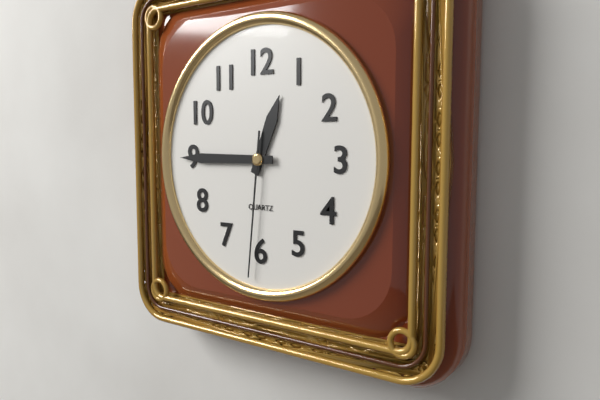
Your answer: 12 h 45 min 31 s
